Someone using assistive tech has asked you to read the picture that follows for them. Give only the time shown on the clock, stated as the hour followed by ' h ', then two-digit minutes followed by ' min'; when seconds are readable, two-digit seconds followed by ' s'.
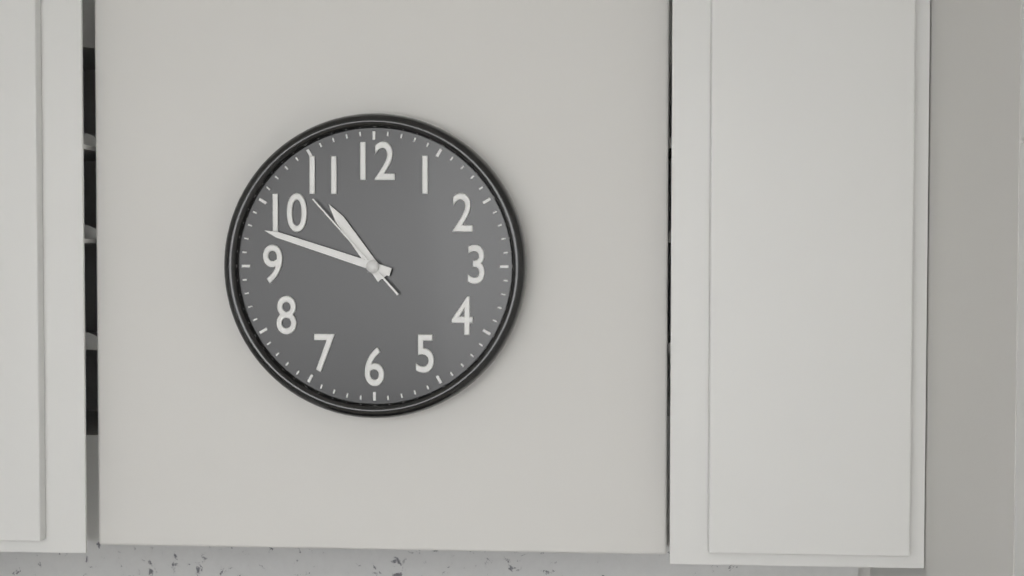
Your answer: 10 h 48 min 53 s
